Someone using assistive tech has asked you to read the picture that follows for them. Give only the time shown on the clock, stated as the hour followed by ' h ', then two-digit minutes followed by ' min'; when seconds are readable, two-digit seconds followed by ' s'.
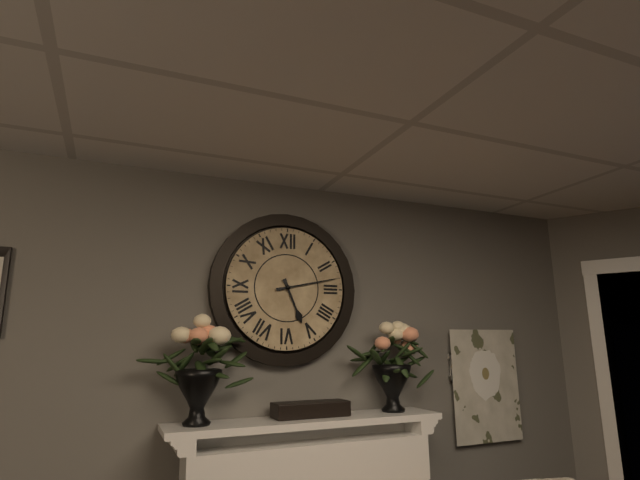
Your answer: 5 h 13 min
